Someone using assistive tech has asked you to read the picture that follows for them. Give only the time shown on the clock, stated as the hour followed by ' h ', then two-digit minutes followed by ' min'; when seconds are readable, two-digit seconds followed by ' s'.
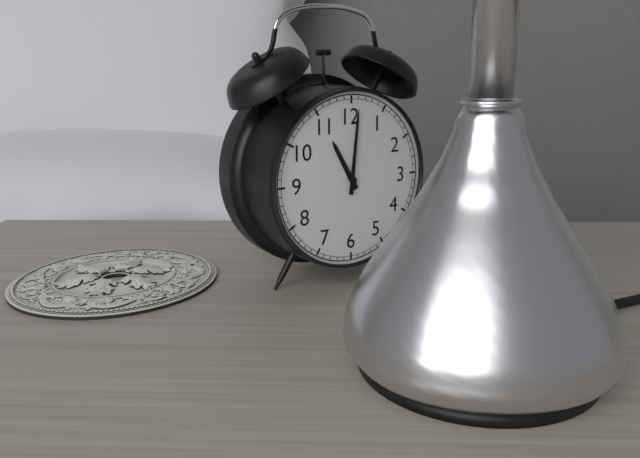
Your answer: 11 h 01 min
